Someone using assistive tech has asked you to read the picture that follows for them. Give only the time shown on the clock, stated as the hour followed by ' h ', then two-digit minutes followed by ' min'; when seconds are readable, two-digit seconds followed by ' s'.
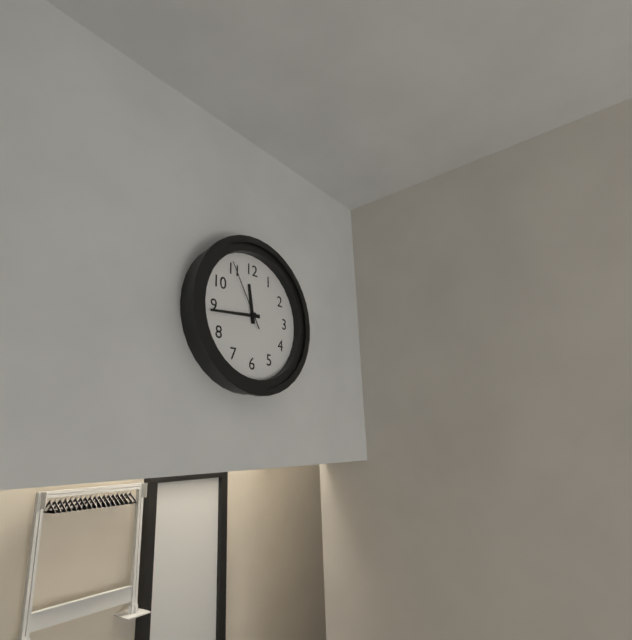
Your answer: 11 h 44 min 55 s
